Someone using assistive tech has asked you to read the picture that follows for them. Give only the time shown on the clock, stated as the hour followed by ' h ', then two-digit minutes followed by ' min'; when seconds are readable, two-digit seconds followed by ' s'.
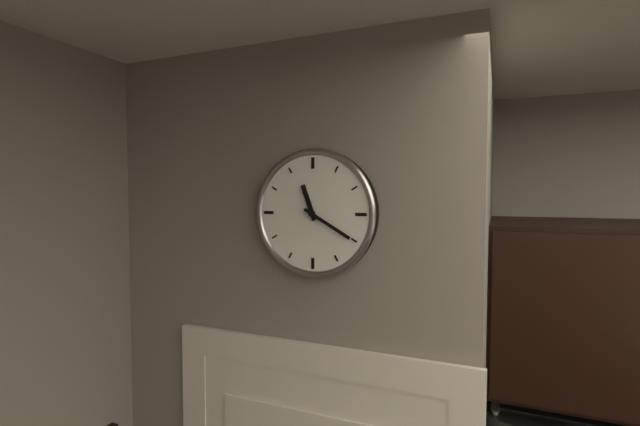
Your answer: 11 h 20 min
